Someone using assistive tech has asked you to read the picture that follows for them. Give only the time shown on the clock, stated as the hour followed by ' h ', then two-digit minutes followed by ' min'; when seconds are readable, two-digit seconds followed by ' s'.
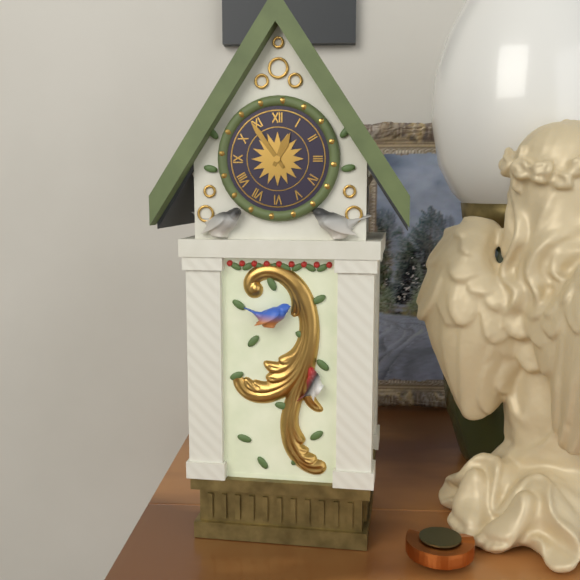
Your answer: 12 h 54 min
